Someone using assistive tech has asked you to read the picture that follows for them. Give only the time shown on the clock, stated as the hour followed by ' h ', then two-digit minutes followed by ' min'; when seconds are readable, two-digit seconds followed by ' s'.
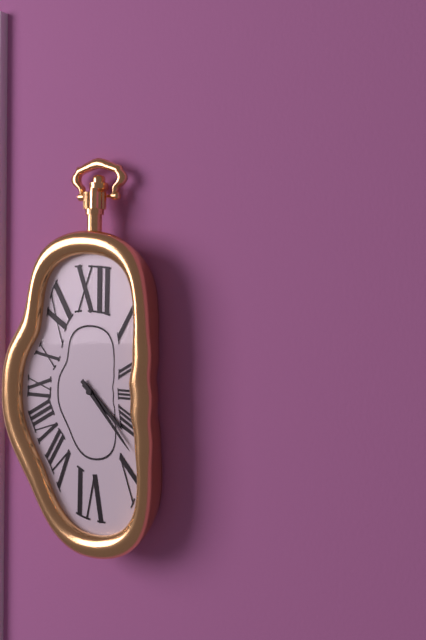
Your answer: 4 h 23 min
